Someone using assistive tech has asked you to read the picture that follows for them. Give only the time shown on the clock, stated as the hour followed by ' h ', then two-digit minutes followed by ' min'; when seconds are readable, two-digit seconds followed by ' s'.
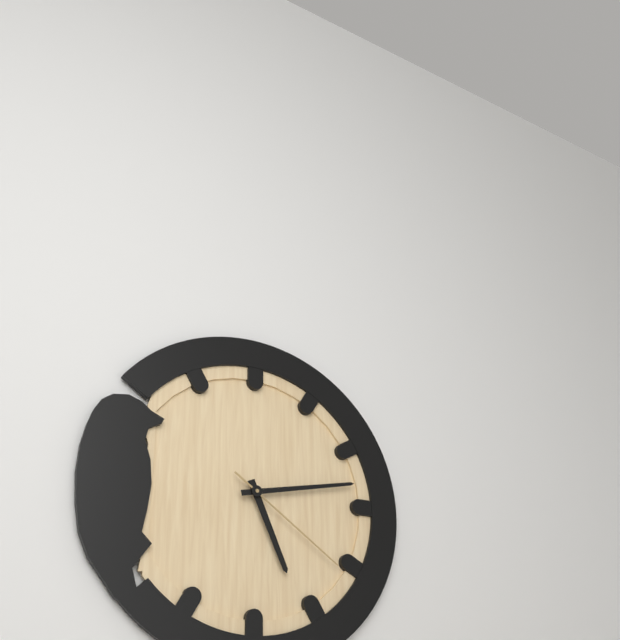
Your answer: 5 h 13 min 21 s
